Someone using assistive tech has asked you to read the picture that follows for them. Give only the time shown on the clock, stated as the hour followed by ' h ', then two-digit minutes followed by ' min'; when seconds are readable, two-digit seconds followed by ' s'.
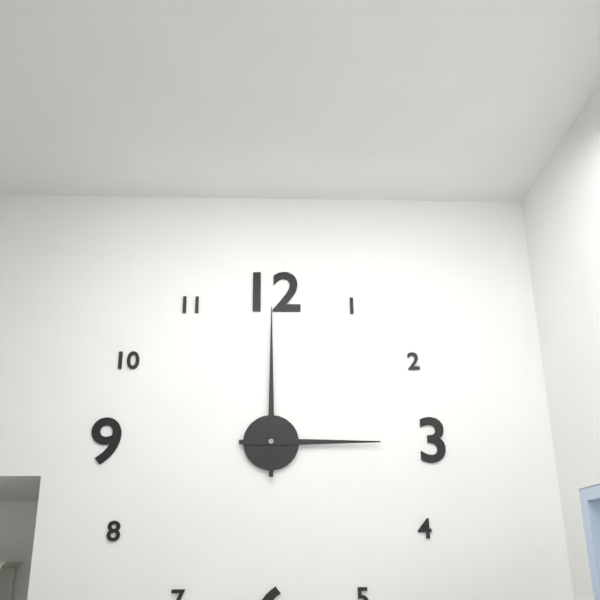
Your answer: 3 h 00 min
